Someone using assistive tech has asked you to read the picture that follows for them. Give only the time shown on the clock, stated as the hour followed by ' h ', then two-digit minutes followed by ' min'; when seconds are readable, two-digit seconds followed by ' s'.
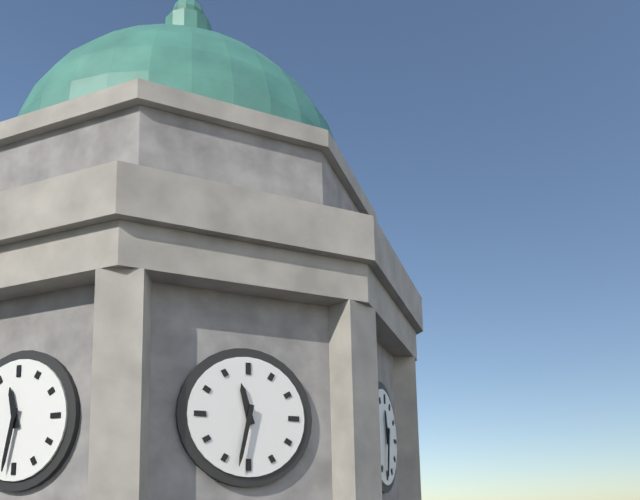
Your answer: 11 h 32 min
